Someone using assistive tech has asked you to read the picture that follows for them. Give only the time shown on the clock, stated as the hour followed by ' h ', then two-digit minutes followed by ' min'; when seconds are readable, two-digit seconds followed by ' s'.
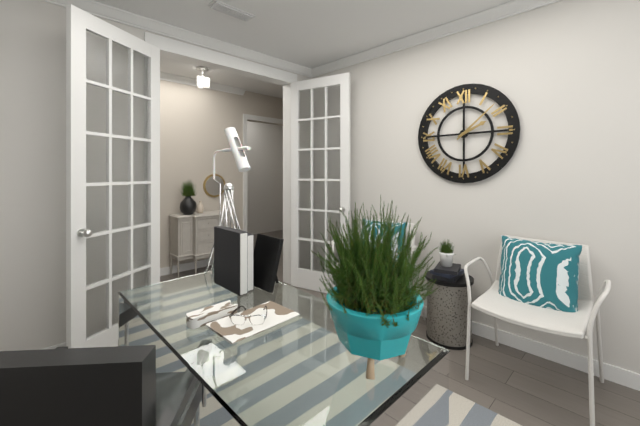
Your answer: 2 h 08 min
